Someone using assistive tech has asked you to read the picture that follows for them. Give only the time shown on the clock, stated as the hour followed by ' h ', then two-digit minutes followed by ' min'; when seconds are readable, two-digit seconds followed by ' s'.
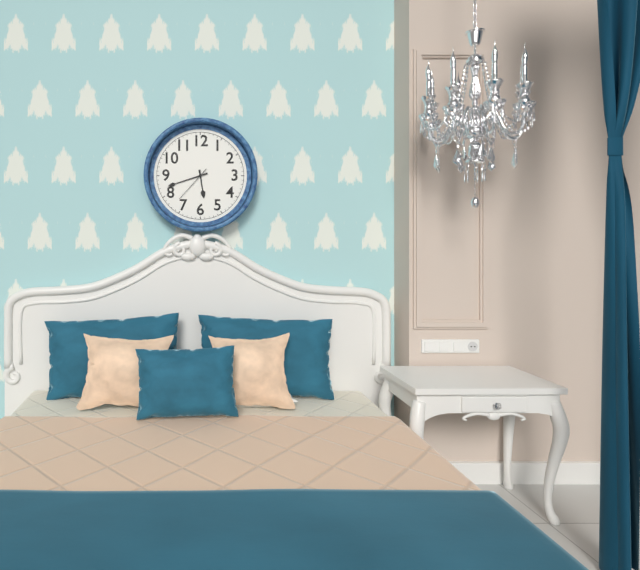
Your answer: 5 h 42 min
